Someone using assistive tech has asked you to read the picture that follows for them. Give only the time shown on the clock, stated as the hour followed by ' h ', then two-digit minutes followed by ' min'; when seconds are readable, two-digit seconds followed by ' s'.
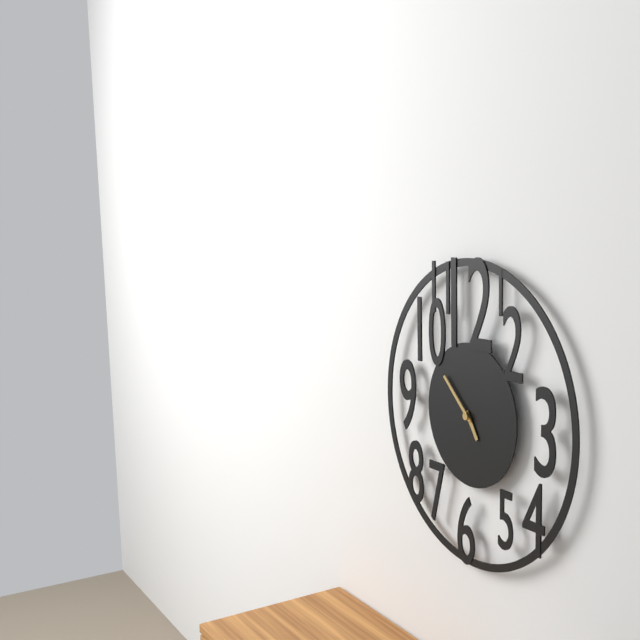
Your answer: 4 h 52 min
